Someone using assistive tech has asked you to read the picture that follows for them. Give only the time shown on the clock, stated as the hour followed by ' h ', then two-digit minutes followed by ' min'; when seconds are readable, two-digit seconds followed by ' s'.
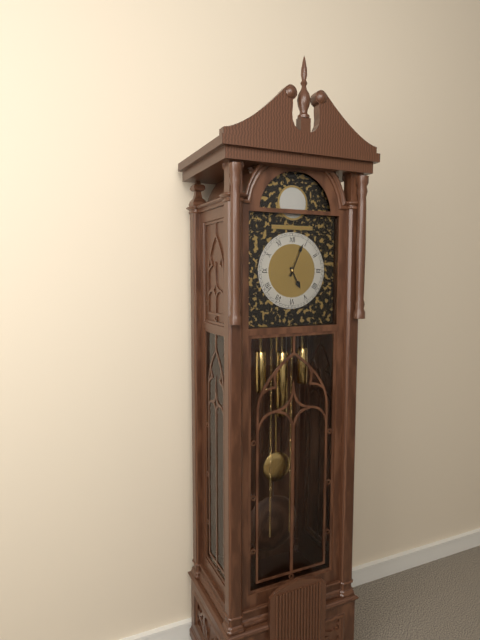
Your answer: 5 h 04 min
